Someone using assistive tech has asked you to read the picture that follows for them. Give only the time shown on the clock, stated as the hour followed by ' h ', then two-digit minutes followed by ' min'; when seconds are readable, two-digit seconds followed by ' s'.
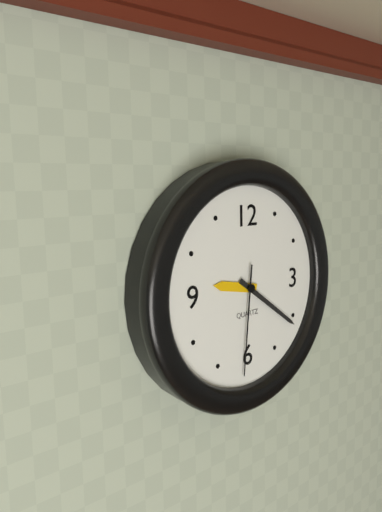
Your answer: 9 h 21 min 31 s
